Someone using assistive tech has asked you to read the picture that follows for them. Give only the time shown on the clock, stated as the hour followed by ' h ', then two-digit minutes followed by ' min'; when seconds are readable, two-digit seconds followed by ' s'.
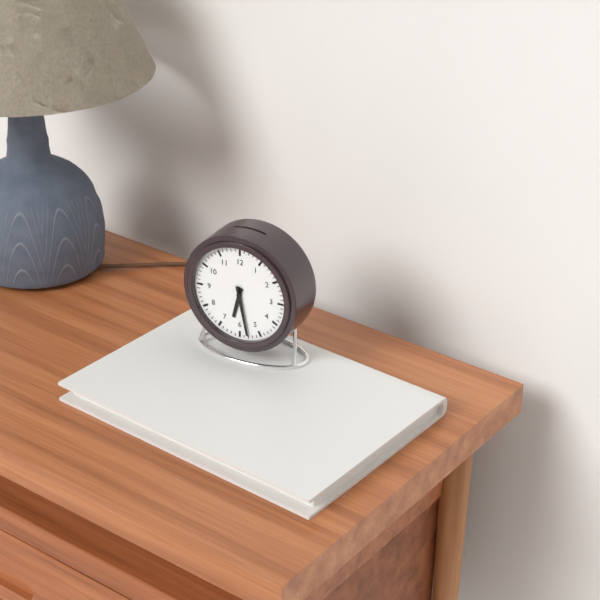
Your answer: 6 h 28 min
